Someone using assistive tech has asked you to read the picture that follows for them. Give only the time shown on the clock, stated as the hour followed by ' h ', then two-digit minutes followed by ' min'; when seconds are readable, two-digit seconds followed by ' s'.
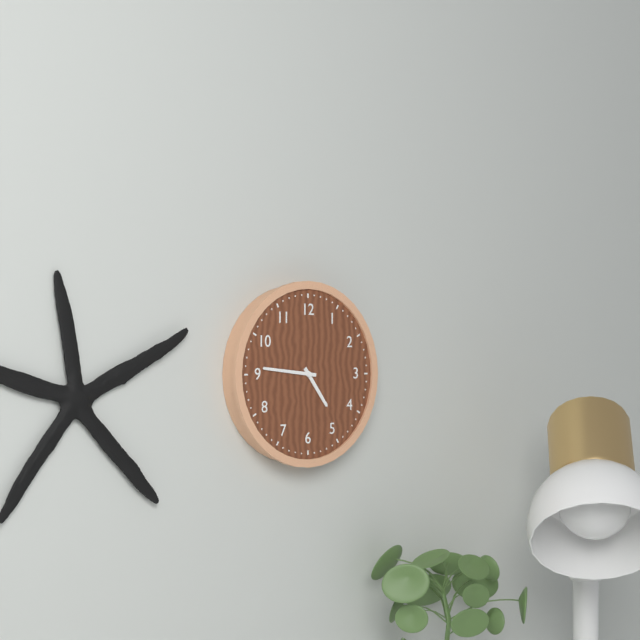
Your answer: 4 h 46 min
